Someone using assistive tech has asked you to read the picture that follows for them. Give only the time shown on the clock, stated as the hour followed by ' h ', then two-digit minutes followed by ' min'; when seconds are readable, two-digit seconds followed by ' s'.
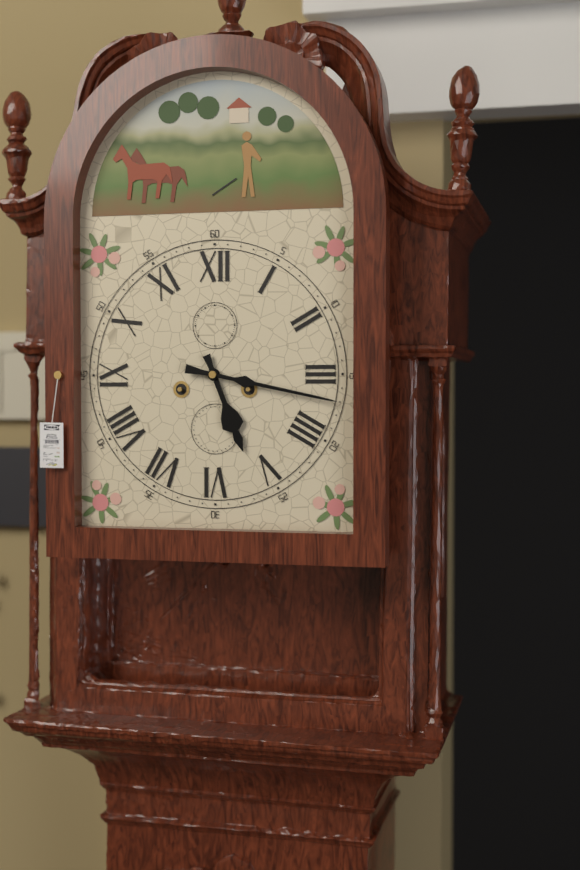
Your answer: 5 h 17 min
